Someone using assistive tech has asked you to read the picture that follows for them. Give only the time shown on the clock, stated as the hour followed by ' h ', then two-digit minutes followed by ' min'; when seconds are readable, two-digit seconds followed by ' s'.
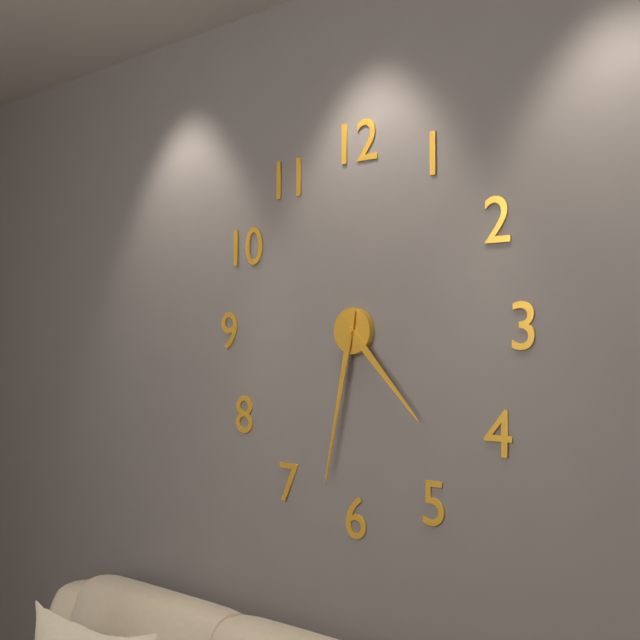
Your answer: 4 h 32 min
